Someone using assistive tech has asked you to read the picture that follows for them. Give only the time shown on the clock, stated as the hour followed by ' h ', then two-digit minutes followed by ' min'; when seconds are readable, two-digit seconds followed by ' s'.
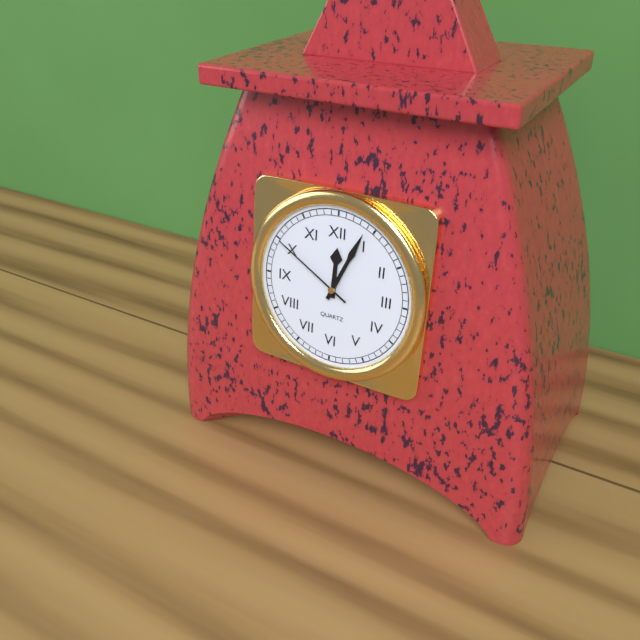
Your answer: 12 h 04 min 50 s
